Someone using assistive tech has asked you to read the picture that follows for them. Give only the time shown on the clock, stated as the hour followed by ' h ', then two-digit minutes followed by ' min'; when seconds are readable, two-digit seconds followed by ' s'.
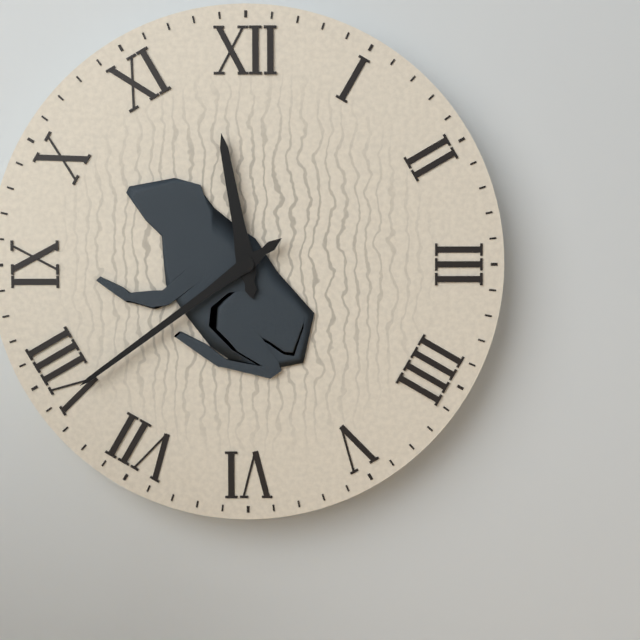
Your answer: 11 h 39 min
